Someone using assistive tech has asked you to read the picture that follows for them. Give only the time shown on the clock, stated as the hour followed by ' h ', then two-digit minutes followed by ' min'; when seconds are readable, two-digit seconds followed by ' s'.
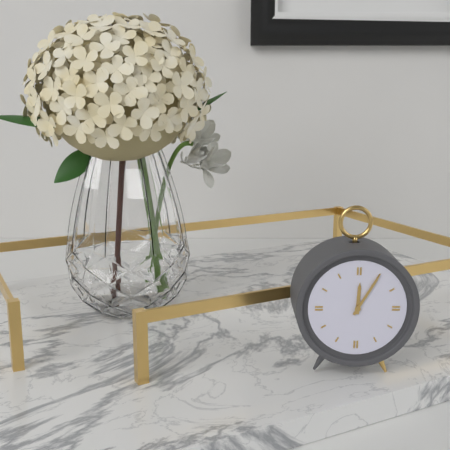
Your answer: 12 h 05 min
